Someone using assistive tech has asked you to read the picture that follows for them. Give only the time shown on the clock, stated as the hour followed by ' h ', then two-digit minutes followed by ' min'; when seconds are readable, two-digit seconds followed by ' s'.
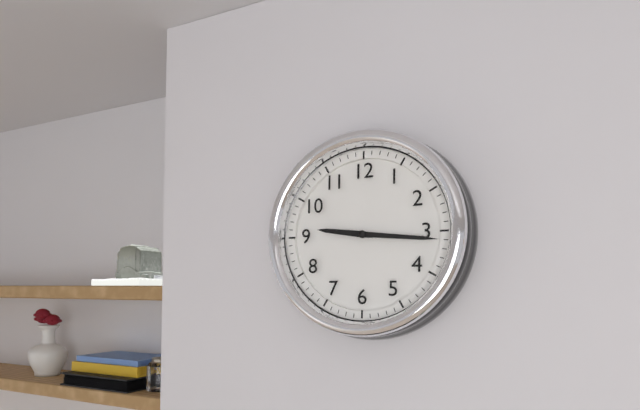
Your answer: 9 h 16 min
